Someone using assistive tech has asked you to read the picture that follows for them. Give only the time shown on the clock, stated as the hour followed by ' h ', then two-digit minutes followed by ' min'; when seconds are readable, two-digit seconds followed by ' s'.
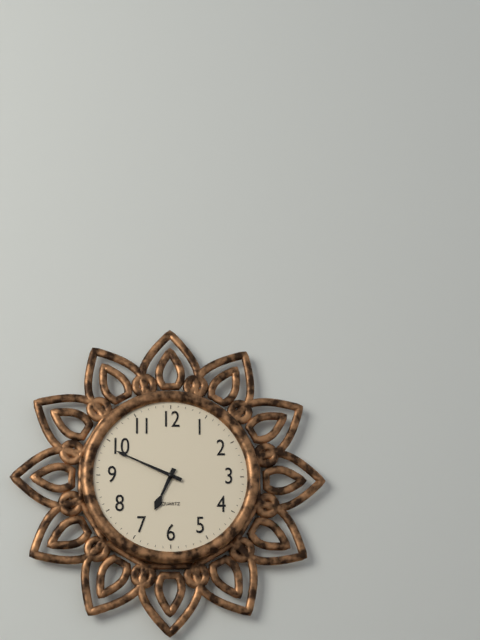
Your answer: 6 h 49 min
